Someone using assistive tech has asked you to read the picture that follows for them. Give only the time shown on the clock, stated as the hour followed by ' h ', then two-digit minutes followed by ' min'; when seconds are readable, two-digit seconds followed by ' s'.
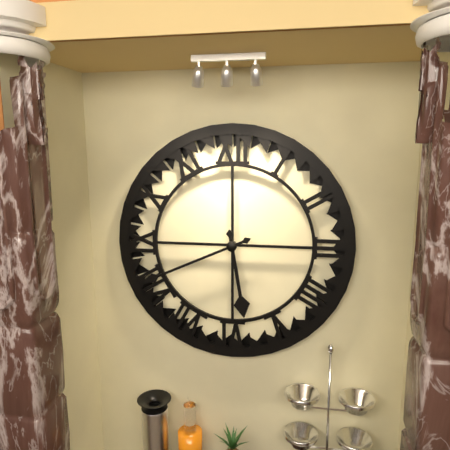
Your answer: 5 h 41 min
